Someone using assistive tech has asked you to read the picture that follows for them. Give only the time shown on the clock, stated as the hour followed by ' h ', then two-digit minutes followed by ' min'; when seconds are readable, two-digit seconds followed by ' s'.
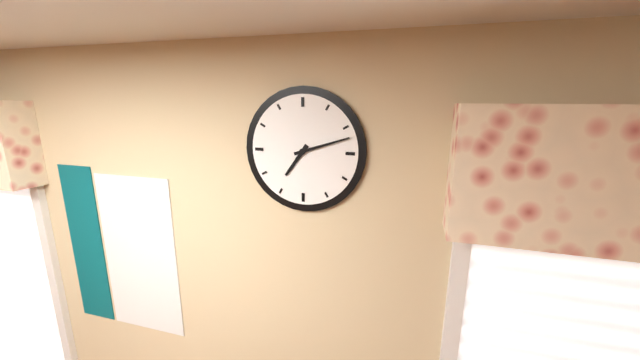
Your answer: 7 h 12 min
